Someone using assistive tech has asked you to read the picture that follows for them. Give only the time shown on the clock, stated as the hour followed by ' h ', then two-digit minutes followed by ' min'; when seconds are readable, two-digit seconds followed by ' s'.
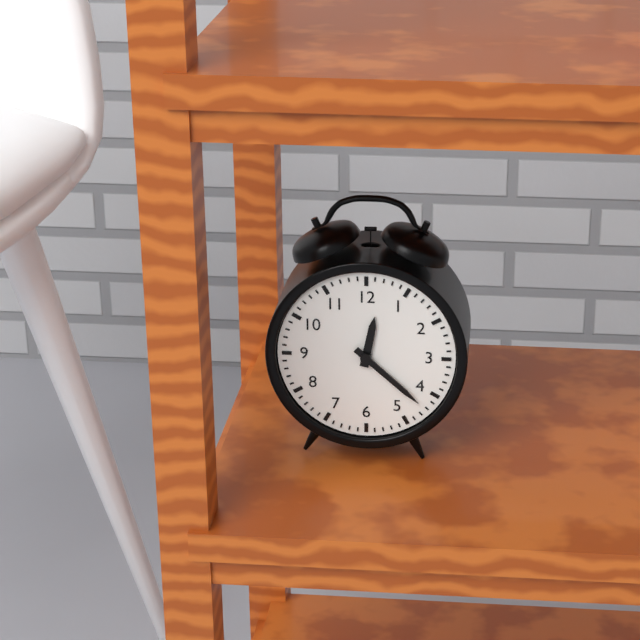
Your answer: 12 h 22 min
